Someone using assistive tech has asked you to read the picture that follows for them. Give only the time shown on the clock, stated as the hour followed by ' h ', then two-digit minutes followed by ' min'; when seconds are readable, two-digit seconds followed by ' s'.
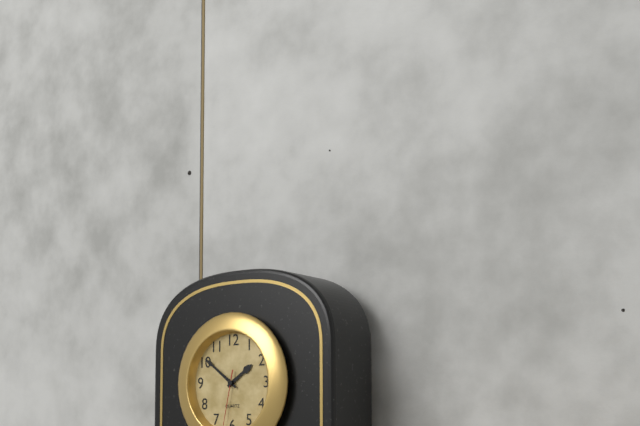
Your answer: 1 h 51 min
